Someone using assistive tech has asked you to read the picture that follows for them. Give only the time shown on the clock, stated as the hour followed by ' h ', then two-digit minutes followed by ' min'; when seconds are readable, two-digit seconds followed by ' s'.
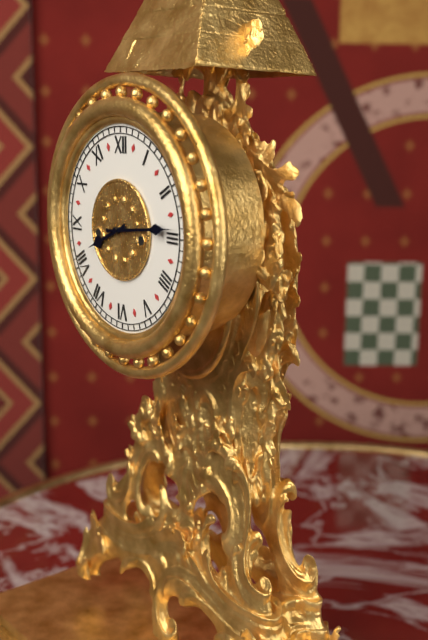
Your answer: 8 h 14 min
